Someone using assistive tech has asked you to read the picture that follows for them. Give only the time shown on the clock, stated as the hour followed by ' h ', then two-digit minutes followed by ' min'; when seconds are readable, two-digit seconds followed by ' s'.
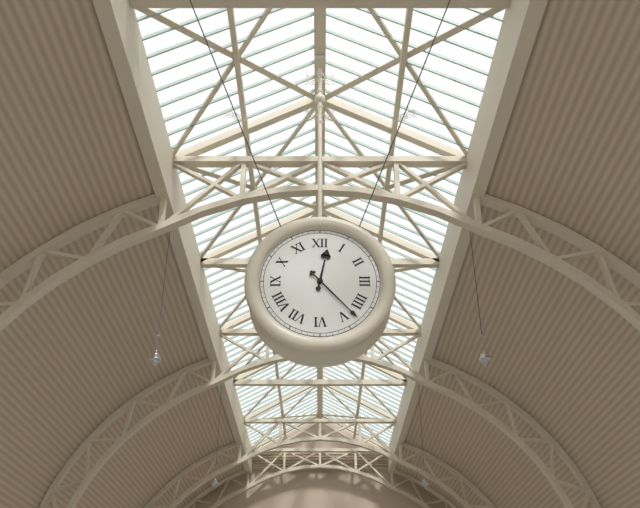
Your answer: 12 h 23 min
